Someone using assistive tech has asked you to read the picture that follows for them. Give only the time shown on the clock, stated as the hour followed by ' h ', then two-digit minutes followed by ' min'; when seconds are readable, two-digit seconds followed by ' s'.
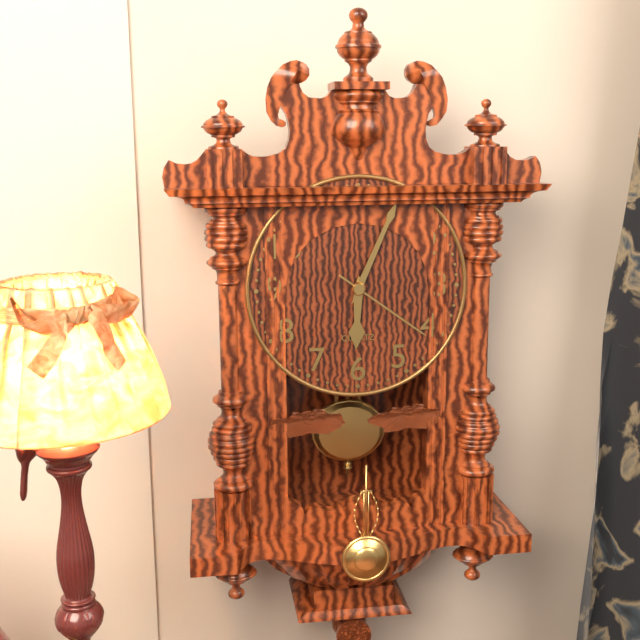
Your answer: 6 h 04 min 21 s
